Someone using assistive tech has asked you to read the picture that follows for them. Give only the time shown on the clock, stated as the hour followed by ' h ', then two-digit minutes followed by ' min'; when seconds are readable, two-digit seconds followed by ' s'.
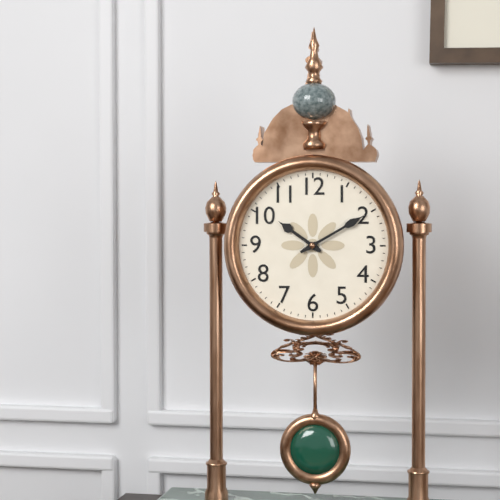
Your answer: 10 h 10 min
